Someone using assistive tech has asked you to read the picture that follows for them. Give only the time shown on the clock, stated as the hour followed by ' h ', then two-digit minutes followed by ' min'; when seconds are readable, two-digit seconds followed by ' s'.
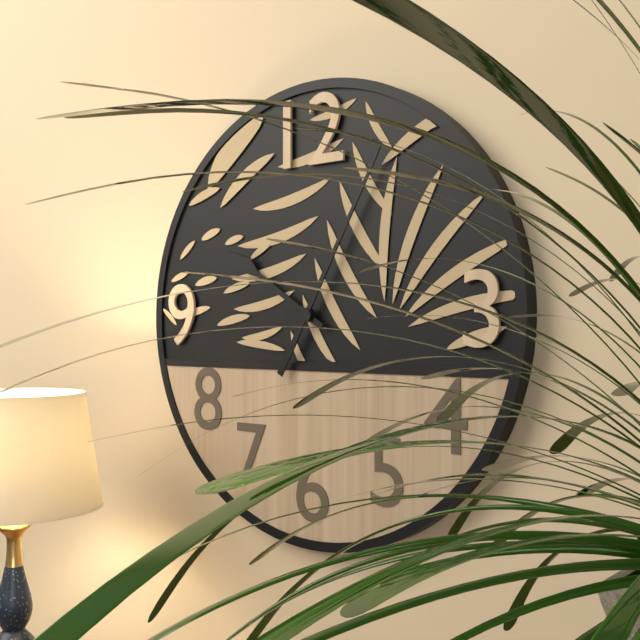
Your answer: 10 h 05 min
